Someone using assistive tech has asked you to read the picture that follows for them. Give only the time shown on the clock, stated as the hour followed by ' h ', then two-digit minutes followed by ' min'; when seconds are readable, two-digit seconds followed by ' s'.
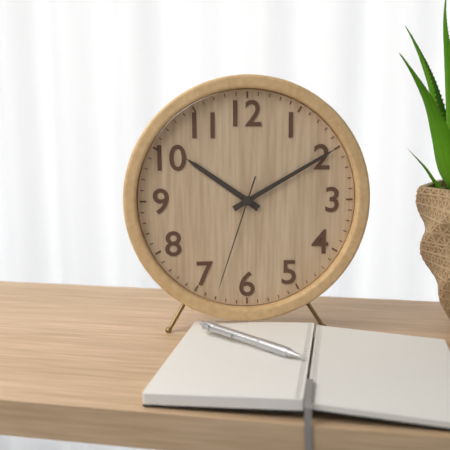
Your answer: 10 h 10 min 33 s
